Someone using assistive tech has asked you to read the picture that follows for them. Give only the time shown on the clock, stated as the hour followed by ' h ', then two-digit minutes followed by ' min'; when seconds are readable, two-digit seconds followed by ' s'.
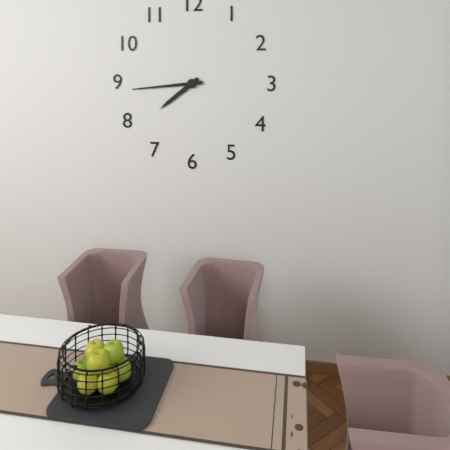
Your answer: 7 h 44 min
